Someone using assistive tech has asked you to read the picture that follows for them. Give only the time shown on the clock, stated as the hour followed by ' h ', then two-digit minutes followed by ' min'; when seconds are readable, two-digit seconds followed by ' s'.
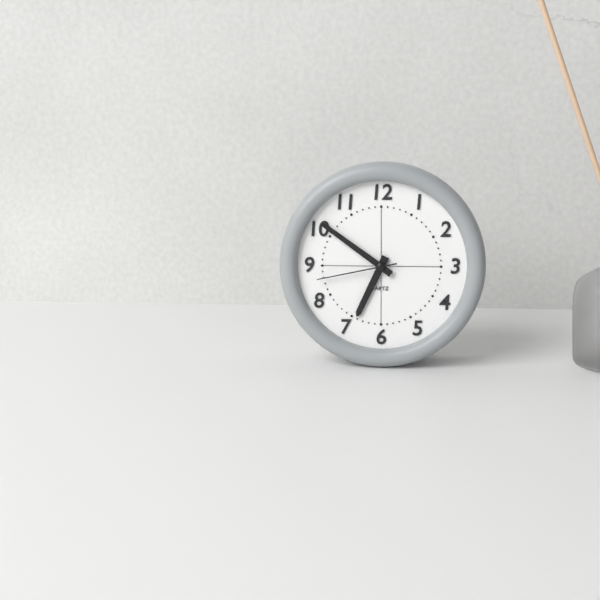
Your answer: 6 h 51 min 43 s
